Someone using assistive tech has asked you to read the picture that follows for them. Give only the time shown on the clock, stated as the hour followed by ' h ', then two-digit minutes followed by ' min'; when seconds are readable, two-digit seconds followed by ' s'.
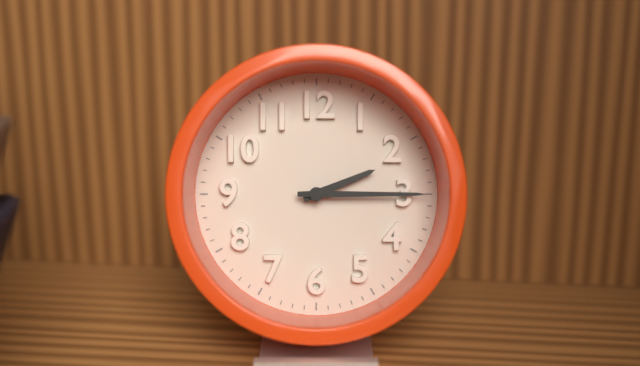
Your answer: 2 h 15 min
